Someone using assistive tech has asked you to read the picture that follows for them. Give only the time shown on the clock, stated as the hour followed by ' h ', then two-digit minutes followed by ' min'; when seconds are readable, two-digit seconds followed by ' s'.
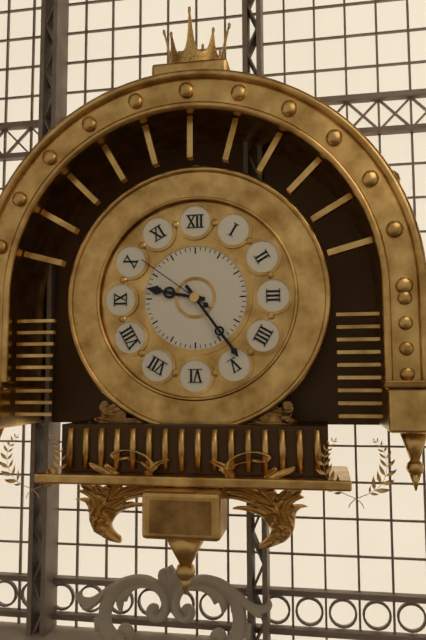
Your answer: 9 h 24 min 51 s
